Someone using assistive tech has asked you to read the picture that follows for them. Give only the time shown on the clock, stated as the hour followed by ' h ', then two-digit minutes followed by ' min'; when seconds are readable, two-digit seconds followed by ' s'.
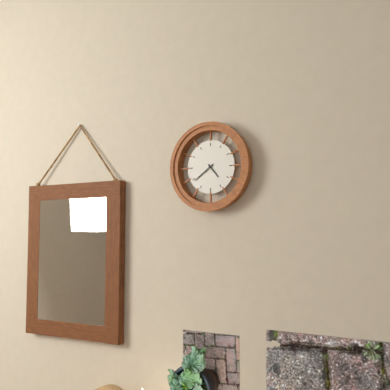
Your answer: 4 h 39 min
